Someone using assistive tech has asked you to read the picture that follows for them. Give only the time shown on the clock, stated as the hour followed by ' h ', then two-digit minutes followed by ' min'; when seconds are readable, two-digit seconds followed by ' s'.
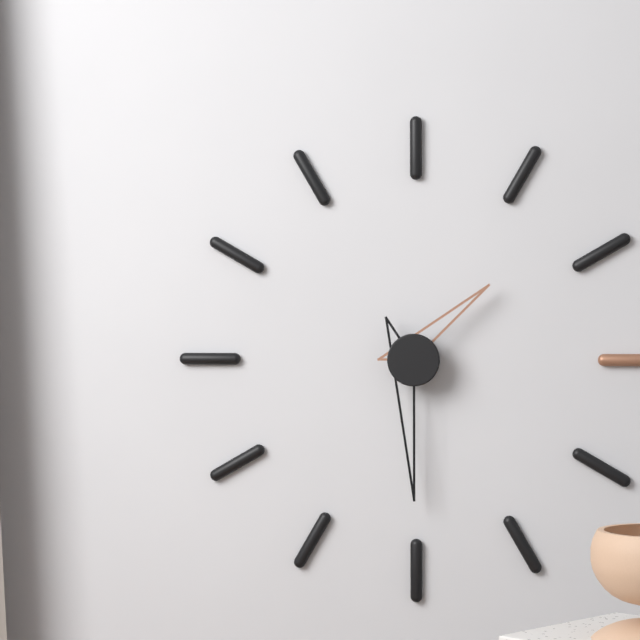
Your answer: 1 h 30 min
